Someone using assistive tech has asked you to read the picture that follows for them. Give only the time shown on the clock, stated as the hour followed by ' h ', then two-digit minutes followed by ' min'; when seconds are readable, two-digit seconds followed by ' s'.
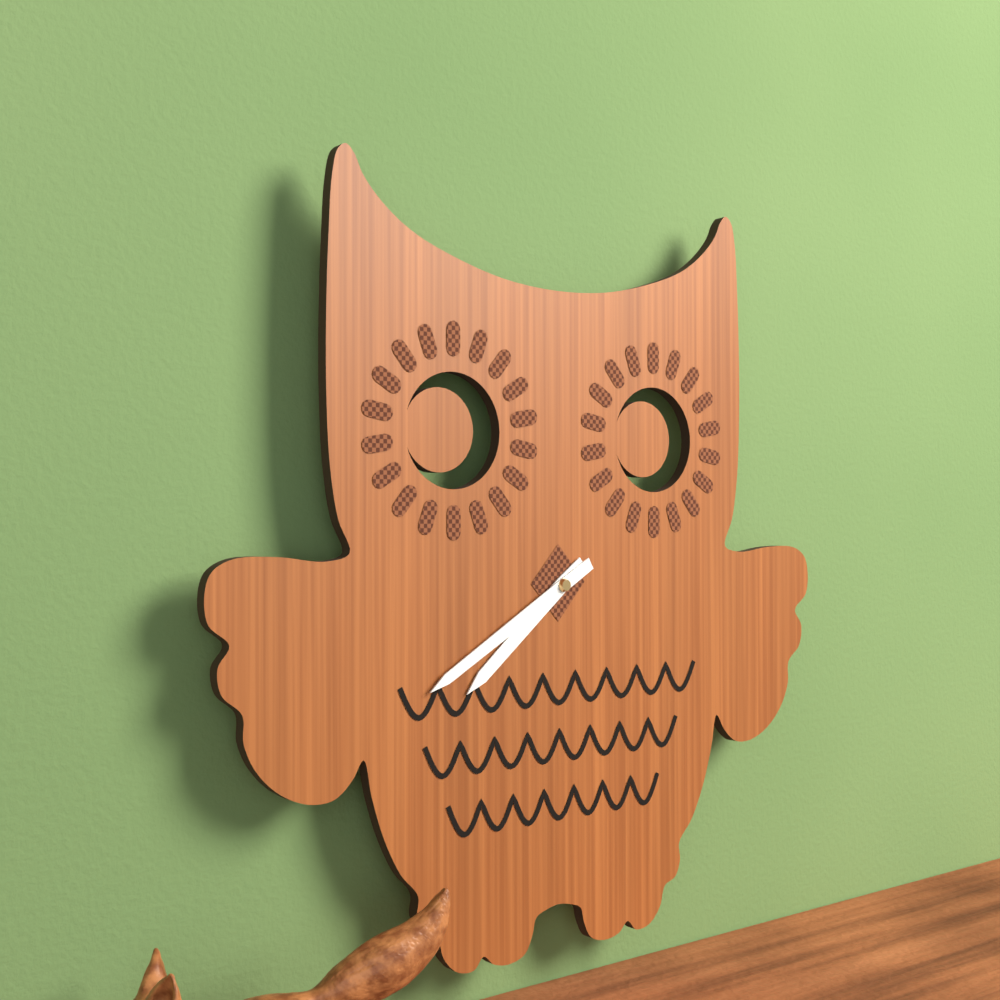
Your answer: 7 h 40 min
